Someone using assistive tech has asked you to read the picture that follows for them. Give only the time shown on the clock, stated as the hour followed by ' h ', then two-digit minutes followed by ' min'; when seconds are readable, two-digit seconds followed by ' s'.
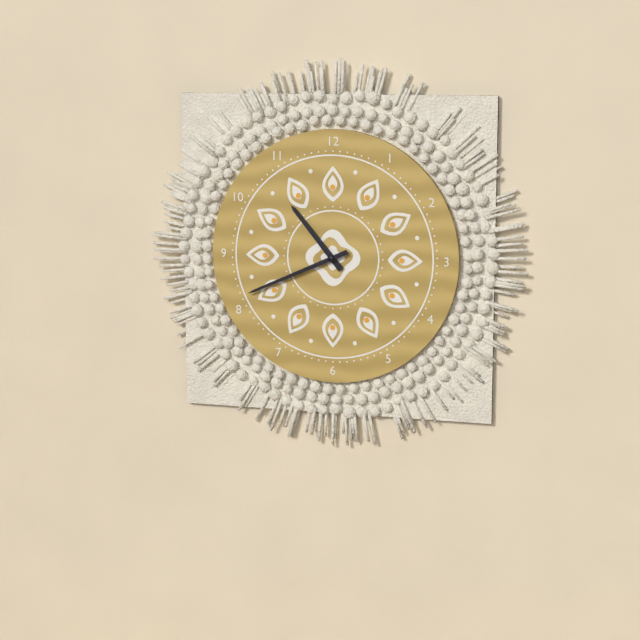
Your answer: 10 h 41 min
